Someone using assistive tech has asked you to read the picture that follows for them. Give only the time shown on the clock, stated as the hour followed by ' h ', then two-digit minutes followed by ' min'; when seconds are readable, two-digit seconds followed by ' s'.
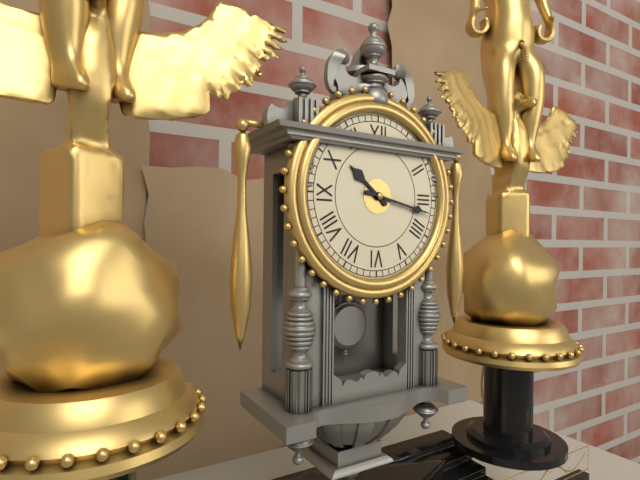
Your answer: 10 h 17 min
